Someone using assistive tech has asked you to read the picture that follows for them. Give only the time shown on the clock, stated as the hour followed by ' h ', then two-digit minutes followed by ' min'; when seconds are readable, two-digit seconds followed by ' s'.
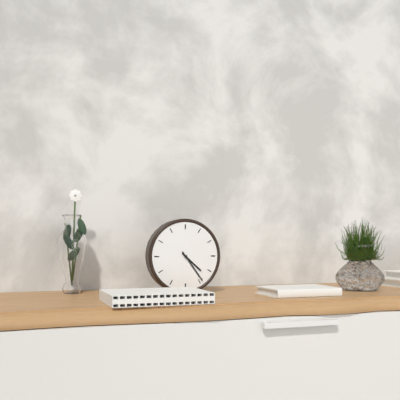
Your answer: 4 h 24 min
